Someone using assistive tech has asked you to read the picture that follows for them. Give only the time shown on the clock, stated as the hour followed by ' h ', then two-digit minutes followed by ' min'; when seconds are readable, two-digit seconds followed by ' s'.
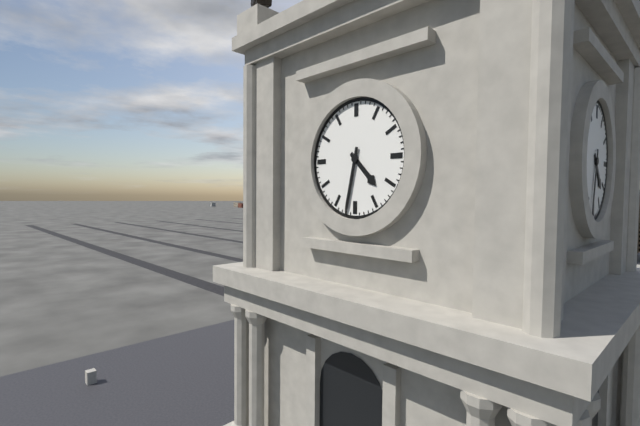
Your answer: 4 h 32 min
